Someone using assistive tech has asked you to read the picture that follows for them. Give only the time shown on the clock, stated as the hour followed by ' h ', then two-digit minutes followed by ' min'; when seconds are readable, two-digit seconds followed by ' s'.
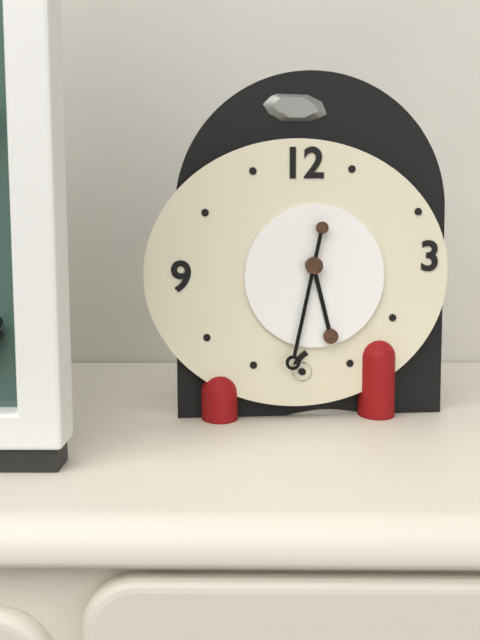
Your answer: 5 h 32 min
